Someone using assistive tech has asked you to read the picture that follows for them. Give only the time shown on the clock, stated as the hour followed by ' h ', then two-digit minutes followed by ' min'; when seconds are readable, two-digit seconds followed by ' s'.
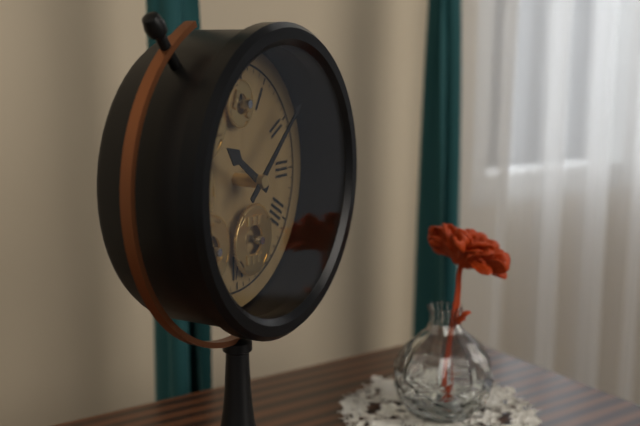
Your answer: 10 h 08 min
